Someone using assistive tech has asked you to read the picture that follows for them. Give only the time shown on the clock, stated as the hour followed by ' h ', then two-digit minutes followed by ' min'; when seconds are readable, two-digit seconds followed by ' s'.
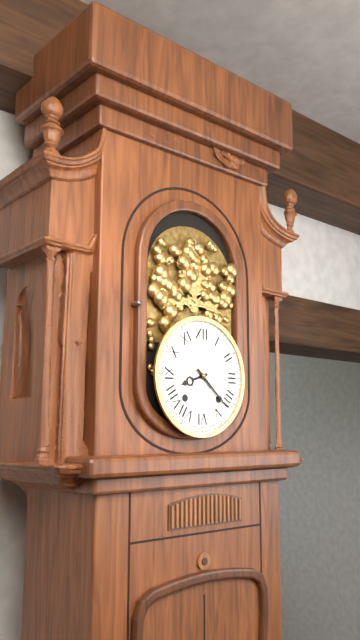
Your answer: 8 h 22 min
